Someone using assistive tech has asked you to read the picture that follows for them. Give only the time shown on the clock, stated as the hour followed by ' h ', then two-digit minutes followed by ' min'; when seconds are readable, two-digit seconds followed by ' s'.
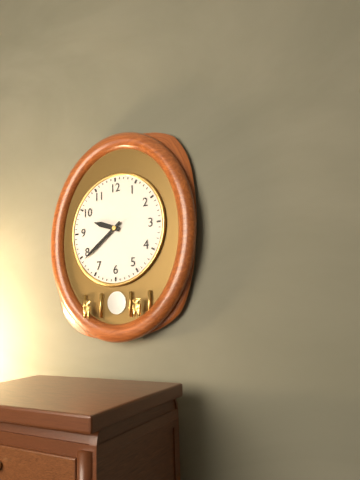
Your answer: 9 h 39 min
